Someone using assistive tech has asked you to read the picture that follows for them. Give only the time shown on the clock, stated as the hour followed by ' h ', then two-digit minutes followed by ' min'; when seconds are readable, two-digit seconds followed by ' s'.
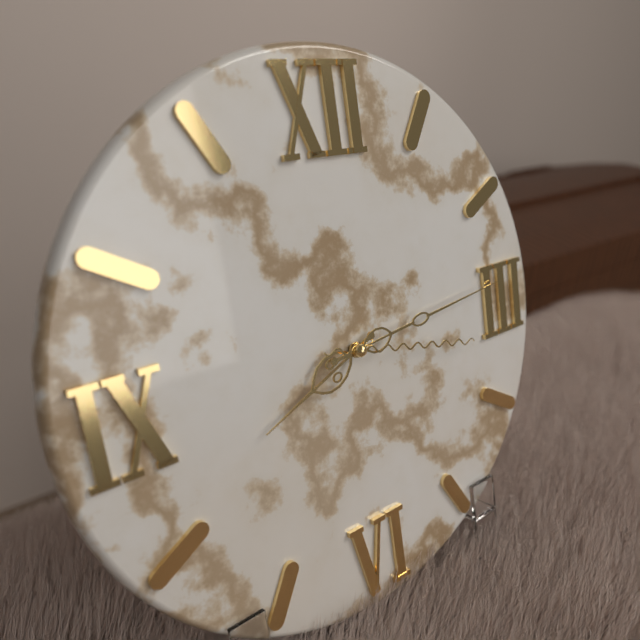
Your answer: 8 h 14 min 17 s
